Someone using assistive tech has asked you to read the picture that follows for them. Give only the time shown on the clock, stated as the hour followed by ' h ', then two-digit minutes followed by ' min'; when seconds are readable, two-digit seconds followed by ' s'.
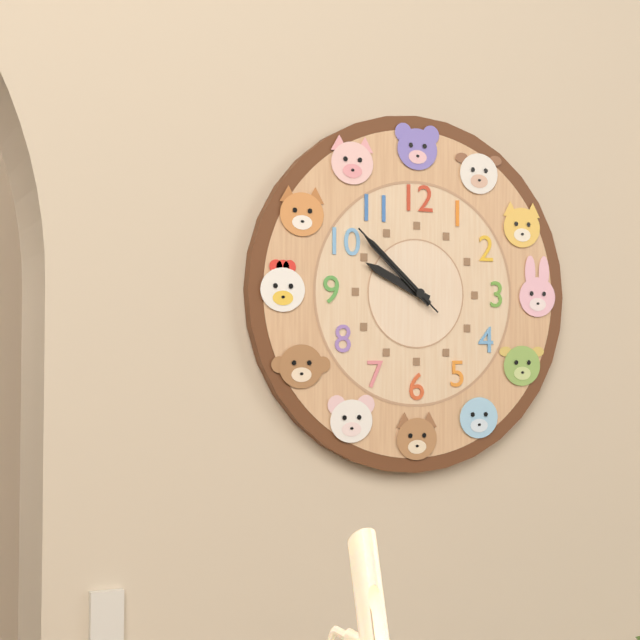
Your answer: 9 h 52 min 52 s
